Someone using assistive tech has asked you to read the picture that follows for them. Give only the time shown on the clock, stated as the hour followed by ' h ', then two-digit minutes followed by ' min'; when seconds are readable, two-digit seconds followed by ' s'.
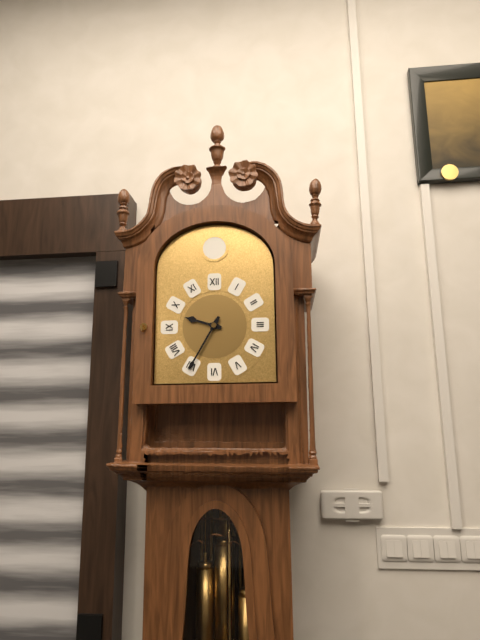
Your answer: 9 h 35 min
